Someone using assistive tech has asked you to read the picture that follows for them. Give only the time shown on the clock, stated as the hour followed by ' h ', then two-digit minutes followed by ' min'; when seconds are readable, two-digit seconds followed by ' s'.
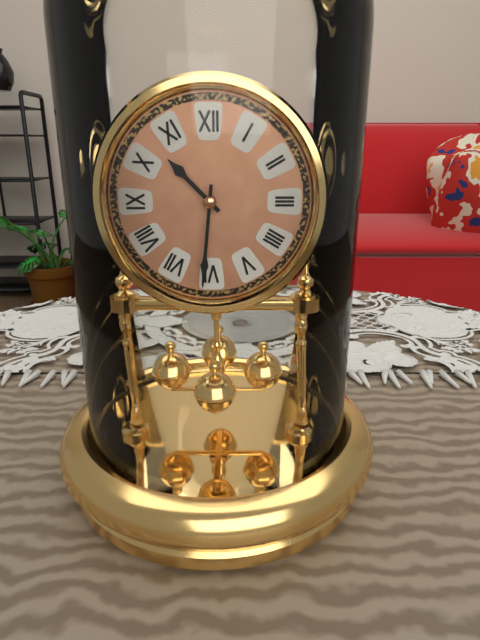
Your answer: 10 h 31 min
